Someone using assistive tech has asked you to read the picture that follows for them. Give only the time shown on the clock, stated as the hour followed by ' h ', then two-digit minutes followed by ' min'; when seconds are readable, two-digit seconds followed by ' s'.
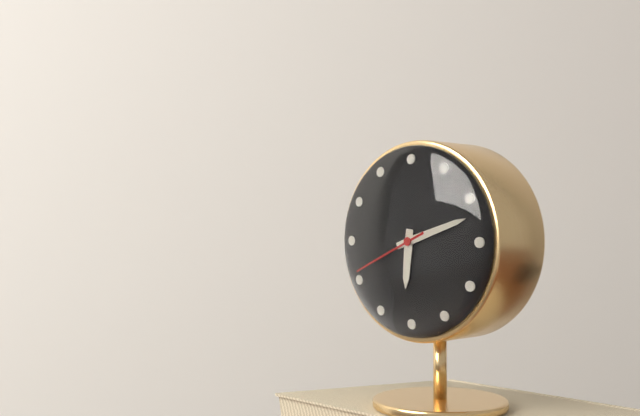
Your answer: 6 h 12 min 41 s
